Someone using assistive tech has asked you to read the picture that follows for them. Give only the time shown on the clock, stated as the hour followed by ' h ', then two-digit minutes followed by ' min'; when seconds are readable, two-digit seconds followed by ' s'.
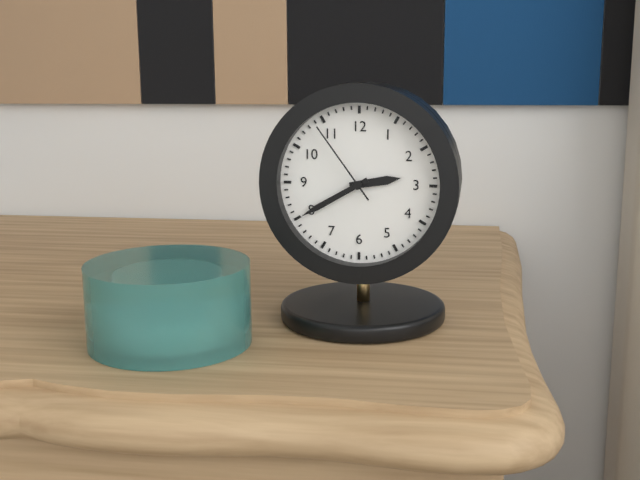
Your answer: 2 h 40 min 54 s
